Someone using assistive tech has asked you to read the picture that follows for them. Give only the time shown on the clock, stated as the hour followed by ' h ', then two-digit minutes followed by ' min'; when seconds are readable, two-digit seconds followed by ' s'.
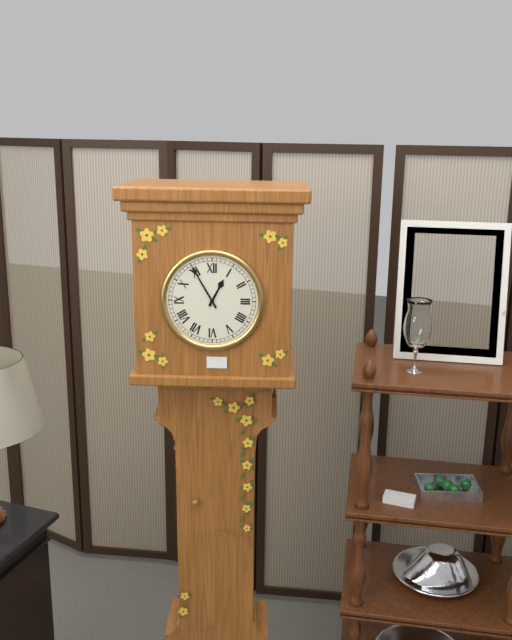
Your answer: 12 h 55 min
